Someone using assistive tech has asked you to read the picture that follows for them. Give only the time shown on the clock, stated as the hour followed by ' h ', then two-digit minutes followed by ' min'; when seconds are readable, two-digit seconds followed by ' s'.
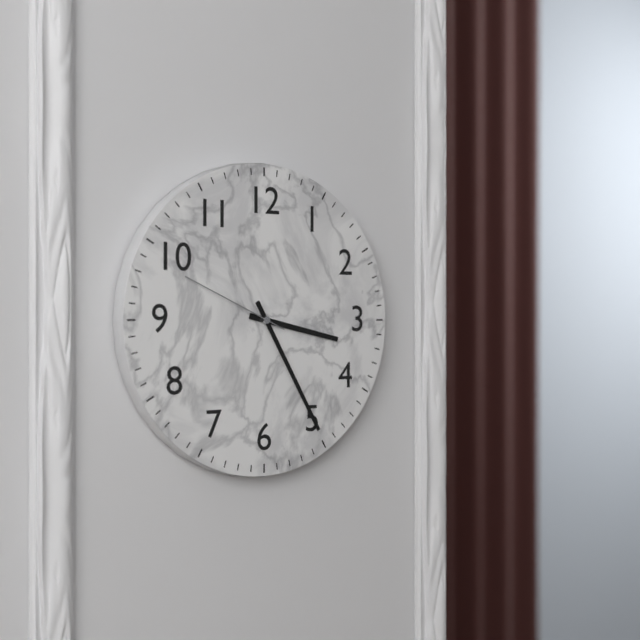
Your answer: 3 h 25 min 49 s
